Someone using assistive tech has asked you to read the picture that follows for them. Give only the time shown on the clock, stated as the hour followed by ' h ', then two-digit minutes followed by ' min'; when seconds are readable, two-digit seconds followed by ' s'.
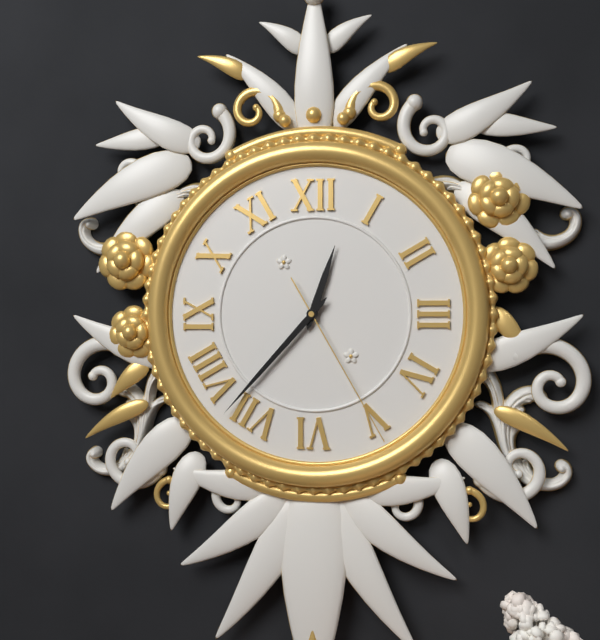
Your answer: 12 h 37 min 25 s
